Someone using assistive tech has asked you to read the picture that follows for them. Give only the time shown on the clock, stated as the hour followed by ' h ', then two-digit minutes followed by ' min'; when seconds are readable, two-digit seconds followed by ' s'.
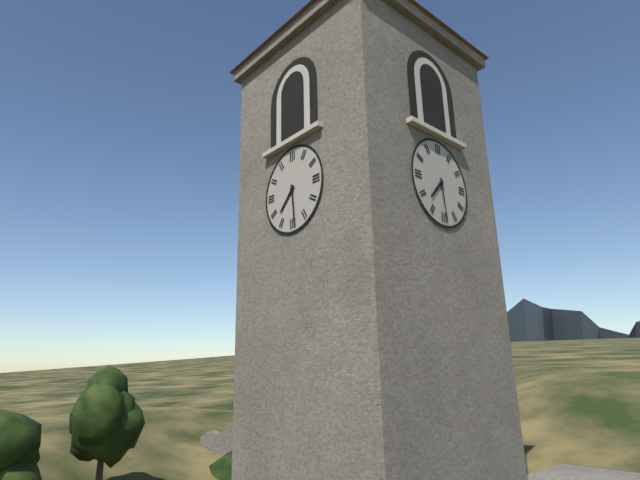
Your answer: 7 h 29 min
